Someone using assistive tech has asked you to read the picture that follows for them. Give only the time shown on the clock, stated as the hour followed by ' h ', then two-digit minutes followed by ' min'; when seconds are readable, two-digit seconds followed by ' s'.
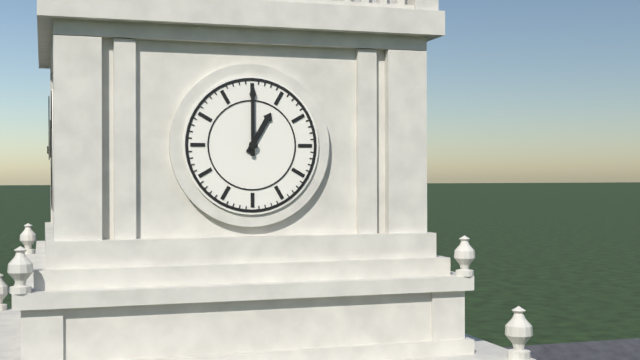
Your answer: 1 h 00 min
